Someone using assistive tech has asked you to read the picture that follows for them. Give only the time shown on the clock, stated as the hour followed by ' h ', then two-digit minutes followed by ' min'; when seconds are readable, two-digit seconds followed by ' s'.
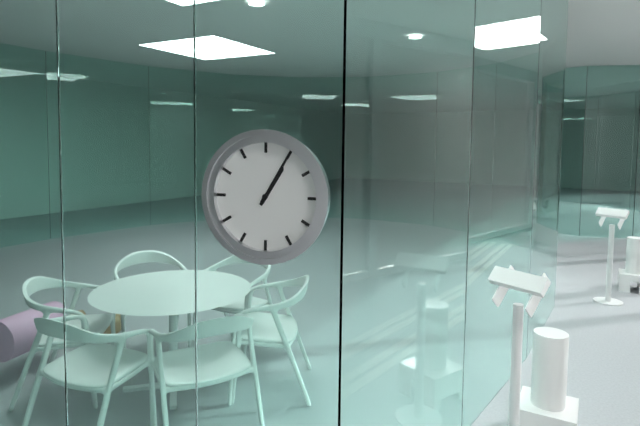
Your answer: 1 h 05 min
